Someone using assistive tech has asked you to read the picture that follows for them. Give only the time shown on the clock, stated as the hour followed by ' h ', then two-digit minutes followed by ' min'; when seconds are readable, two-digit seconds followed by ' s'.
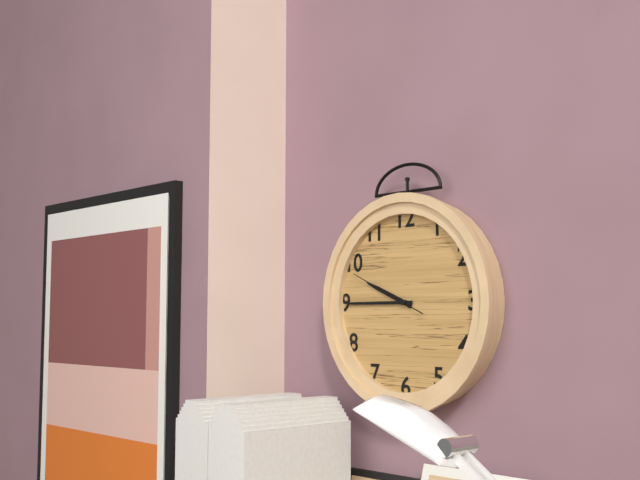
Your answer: 9 h 45 min 49 s
